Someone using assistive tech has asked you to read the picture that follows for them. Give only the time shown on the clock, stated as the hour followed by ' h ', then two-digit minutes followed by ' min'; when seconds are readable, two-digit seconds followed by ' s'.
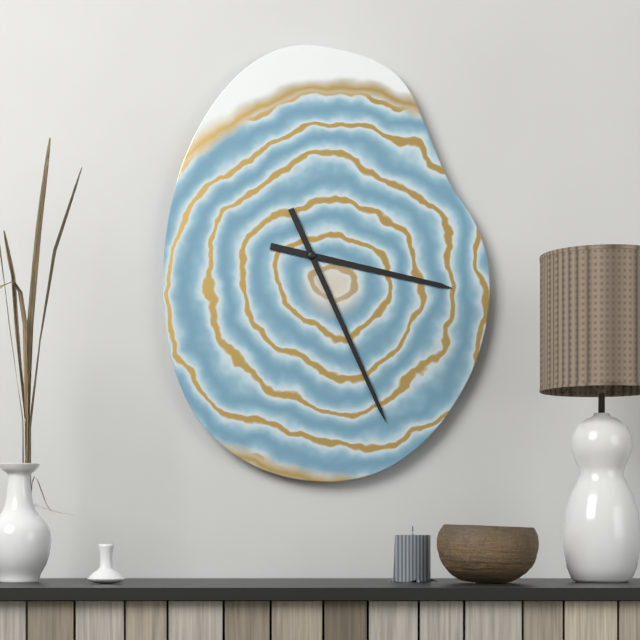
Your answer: 3 h 26 min
